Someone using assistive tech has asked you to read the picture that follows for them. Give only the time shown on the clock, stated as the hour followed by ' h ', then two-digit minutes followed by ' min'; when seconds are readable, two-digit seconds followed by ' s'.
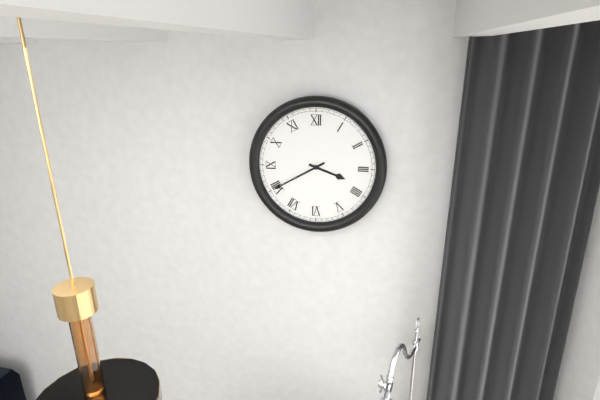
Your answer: 3 h 40 min
